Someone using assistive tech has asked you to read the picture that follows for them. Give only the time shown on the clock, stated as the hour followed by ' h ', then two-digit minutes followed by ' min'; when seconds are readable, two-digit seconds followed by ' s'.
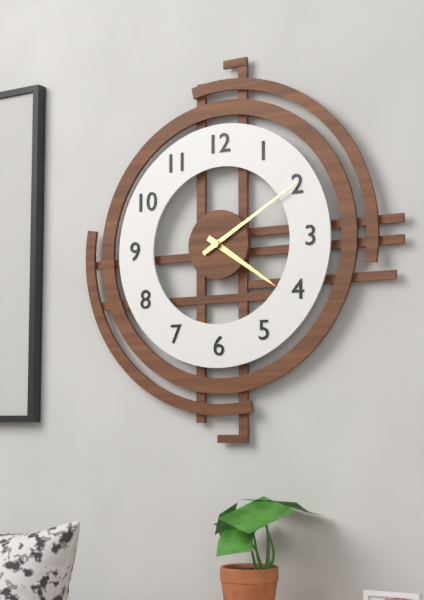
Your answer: 4 h 10 min
